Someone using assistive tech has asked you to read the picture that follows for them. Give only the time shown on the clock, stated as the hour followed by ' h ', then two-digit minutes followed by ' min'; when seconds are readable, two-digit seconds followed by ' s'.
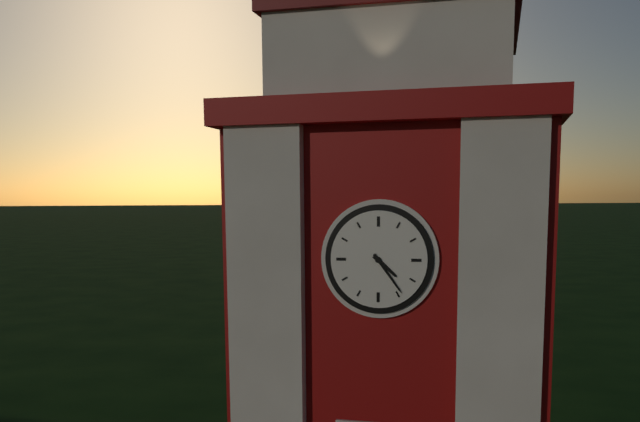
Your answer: 4 h 24 min
